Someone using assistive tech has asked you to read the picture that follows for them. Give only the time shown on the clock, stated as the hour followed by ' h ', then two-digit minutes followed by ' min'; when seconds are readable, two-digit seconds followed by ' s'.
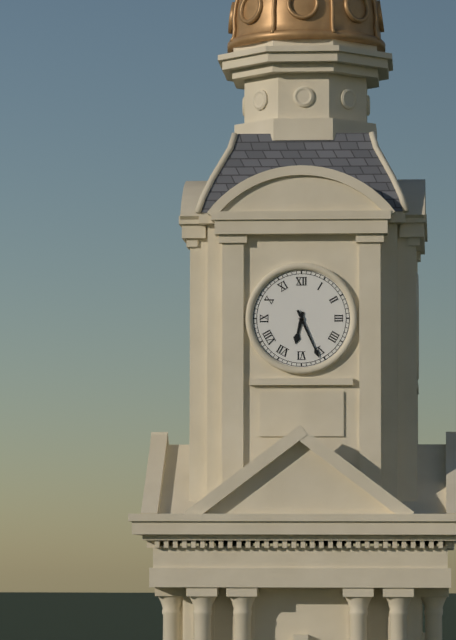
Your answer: 6 h 26 min
